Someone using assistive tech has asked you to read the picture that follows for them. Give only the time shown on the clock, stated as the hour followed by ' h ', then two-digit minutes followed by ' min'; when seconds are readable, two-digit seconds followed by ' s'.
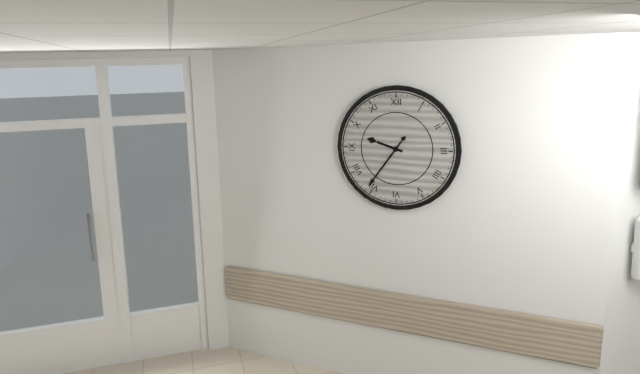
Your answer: 9 h 36 min
